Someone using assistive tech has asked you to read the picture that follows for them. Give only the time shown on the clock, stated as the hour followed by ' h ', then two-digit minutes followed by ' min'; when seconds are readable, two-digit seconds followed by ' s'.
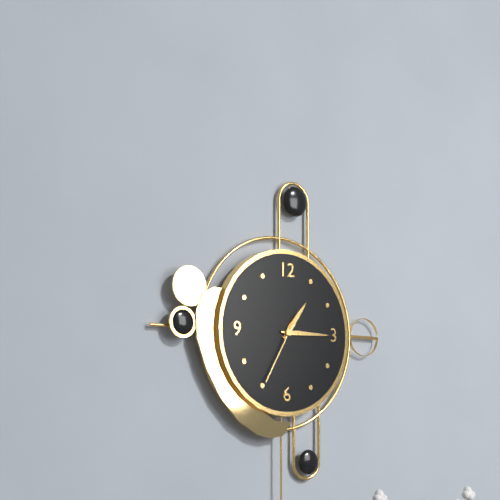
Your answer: 1 h 15 min 35 s
